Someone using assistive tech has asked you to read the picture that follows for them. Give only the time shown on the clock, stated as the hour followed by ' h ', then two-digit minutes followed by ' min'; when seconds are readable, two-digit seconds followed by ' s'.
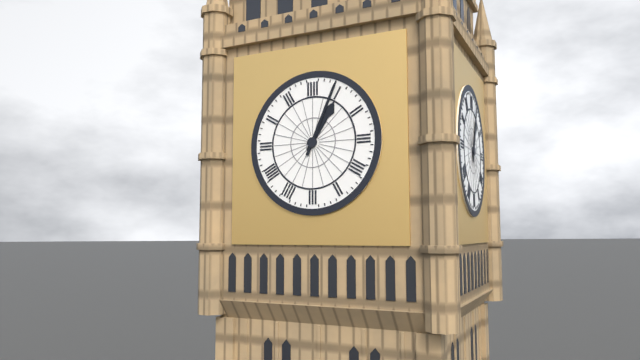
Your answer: 1 h 04 min
